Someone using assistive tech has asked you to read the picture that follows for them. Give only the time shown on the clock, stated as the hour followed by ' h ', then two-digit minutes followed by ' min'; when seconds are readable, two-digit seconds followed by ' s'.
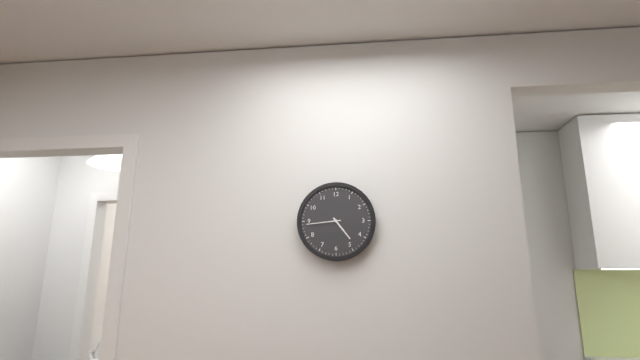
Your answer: 4 h 44 min
